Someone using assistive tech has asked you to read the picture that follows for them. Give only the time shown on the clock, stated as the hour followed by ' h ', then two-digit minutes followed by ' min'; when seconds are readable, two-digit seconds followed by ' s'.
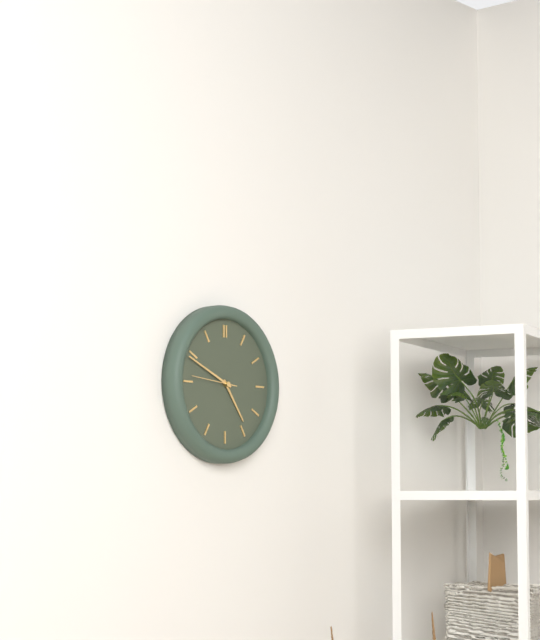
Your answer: 4 h 49 min
